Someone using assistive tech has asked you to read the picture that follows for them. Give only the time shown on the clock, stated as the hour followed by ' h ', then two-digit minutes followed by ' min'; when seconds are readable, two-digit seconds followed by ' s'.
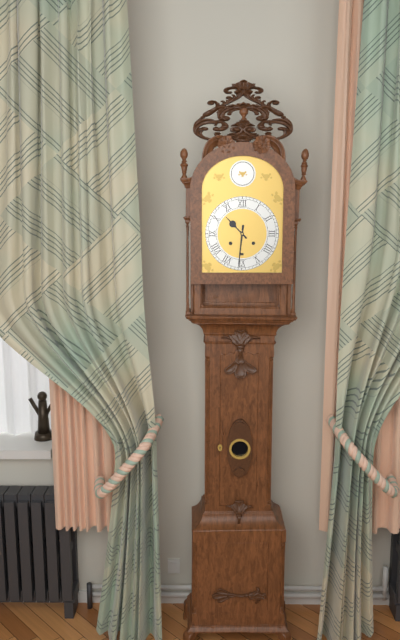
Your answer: 10 h 31 min
